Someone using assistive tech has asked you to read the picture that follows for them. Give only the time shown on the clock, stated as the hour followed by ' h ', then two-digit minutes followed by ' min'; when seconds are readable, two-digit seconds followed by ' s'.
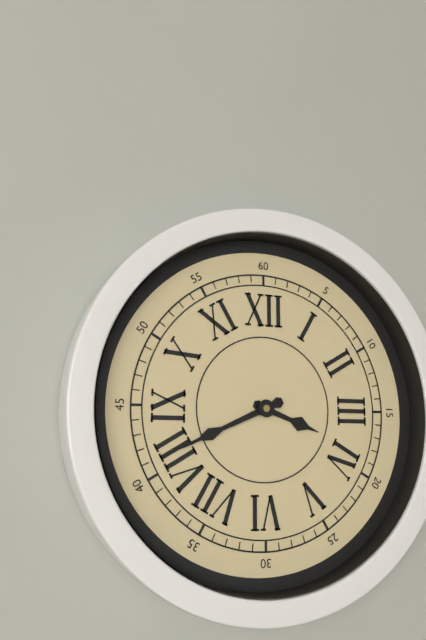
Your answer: 3 h 41 min
